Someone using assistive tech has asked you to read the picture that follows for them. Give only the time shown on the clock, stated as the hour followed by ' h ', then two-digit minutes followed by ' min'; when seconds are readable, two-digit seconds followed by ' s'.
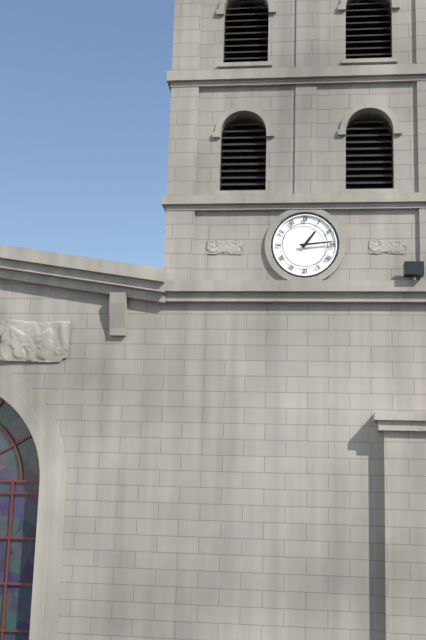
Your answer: 1 h 14 min
